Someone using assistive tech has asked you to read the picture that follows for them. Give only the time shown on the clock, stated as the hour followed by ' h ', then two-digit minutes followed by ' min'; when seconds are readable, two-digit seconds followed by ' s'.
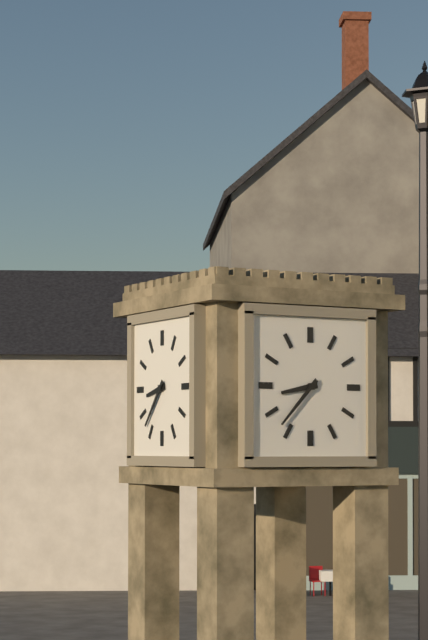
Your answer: 8 h 37 min
